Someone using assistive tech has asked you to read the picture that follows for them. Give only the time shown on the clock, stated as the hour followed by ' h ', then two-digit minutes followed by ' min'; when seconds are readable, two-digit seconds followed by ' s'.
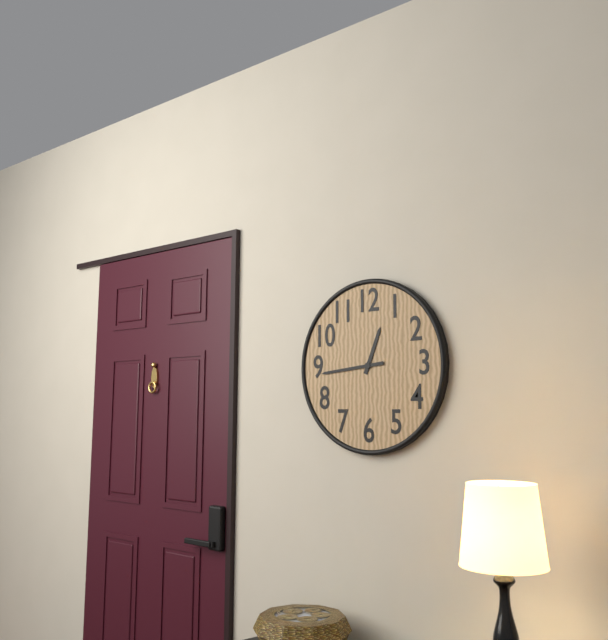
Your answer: 12 h 44 min
